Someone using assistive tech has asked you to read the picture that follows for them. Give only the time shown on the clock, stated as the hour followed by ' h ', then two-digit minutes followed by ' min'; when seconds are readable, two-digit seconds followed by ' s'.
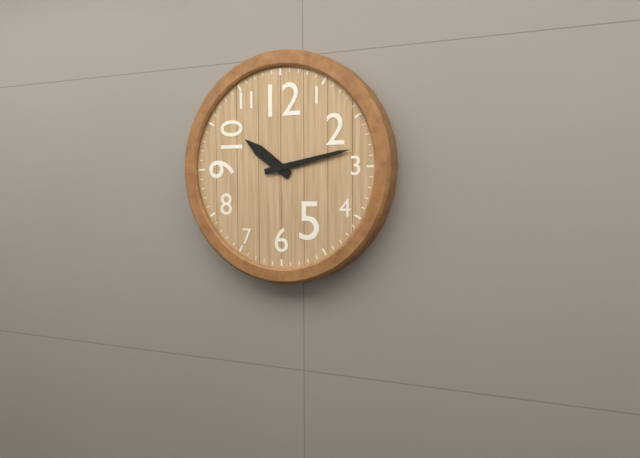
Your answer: 10 h 13 min
